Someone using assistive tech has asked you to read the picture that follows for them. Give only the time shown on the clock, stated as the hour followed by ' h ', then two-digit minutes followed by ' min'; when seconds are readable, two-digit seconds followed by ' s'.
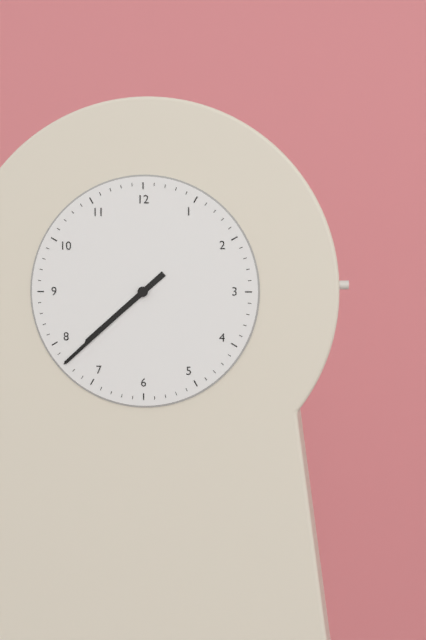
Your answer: 7 h 38 min
